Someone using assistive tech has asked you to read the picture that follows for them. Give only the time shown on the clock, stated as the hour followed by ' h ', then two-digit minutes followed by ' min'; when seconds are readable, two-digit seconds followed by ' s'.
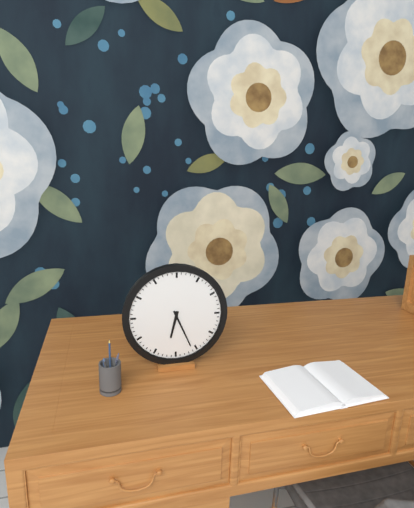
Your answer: 6 h 26 min
